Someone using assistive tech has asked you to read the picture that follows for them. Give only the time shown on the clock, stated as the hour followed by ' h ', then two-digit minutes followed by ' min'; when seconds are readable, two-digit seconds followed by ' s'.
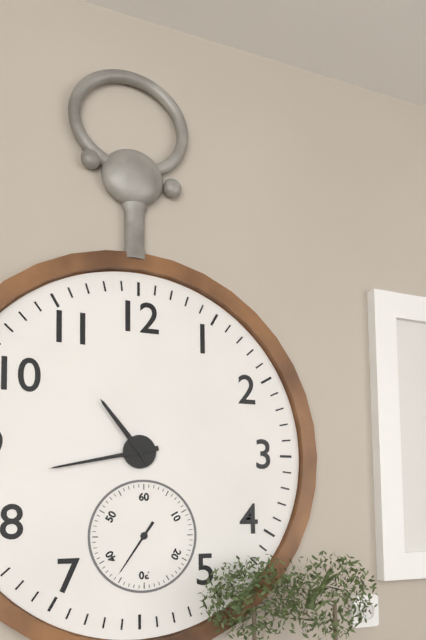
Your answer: 10 h 43 min
